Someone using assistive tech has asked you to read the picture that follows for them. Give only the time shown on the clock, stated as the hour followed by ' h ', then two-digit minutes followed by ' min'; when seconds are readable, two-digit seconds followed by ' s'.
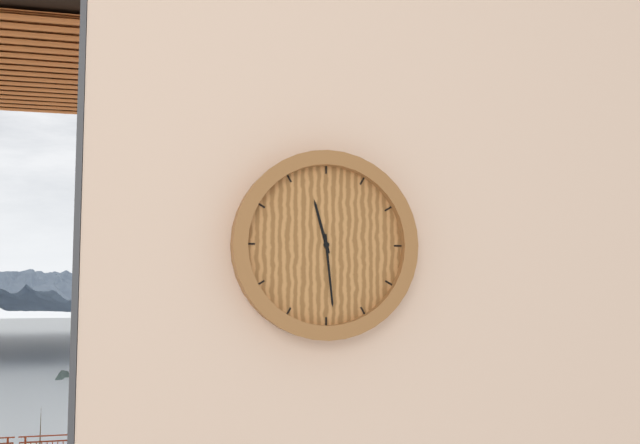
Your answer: 11 h 29 min
